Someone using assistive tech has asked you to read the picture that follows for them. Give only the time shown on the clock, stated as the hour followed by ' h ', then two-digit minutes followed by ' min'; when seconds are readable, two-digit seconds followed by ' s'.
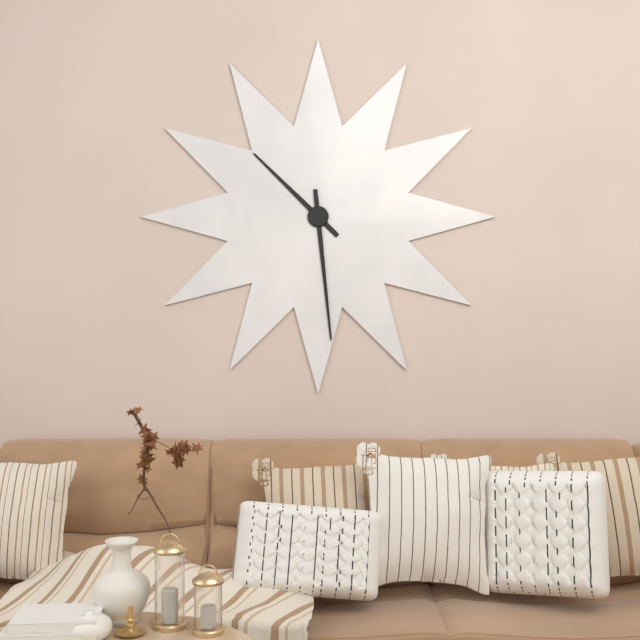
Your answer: 10 h 29 min
